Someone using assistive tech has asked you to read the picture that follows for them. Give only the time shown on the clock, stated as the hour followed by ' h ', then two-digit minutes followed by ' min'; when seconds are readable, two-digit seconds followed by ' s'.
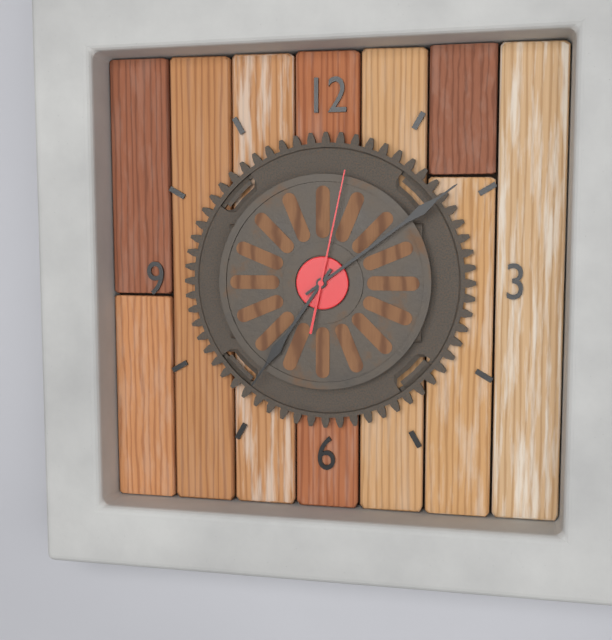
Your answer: 7 h 09 min 02 s
